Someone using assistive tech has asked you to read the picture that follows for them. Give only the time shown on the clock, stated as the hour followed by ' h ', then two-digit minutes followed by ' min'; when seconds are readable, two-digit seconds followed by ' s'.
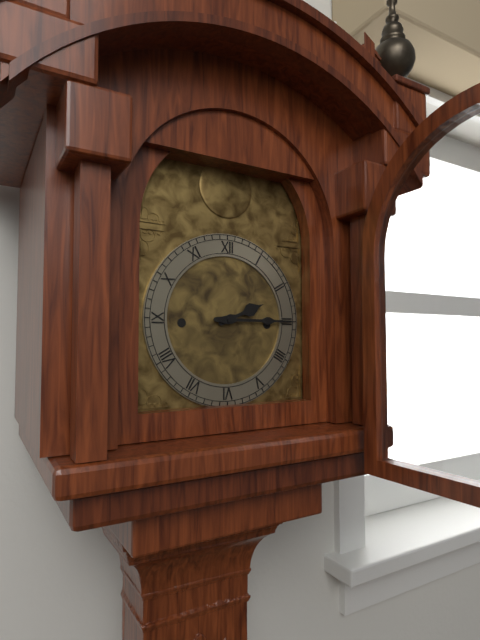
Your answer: 2 h 15 min
